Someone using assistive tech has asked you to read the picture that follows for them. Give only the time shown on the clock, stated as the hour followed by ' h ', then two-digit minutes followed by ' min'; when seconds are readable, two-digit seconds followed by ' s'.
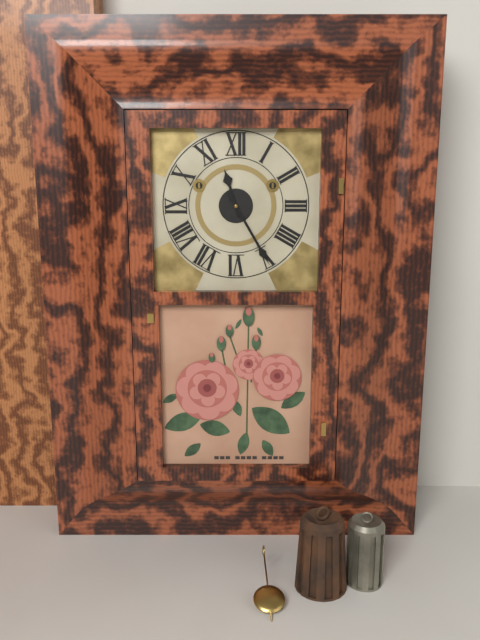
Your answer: 11 h 25 min
